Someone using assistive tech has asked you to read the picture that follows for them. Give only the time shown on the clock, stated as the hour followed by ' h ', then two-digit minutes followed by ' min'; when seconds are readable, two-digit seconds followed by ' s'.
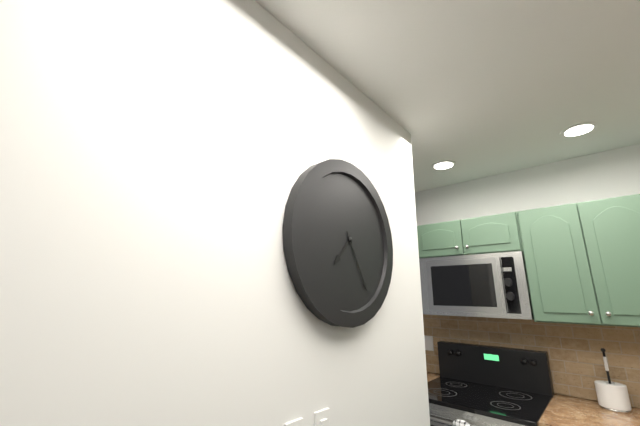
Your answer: 7 h 25 min
